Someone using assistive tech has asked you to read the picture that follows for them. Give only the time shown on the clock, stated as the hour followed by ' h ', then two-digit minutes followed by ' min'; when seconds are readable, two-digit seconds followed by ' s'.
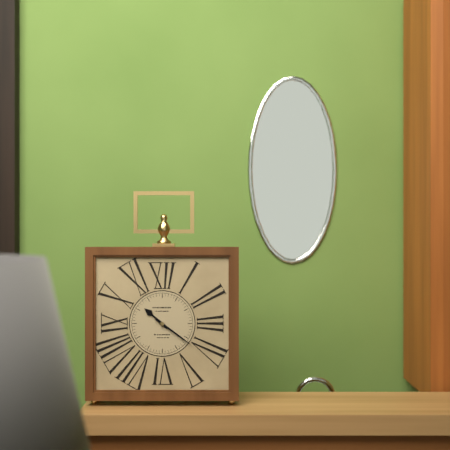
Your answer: 10 h 21 min
